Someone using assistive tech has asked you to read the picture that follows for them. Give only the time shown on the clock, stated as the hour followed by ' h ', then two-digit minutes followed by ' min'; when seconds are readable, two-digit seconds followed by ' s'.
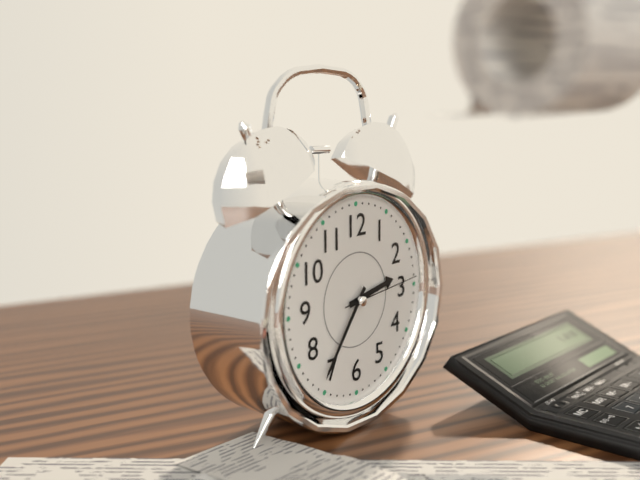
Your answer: 2 h 36 min 14 s
